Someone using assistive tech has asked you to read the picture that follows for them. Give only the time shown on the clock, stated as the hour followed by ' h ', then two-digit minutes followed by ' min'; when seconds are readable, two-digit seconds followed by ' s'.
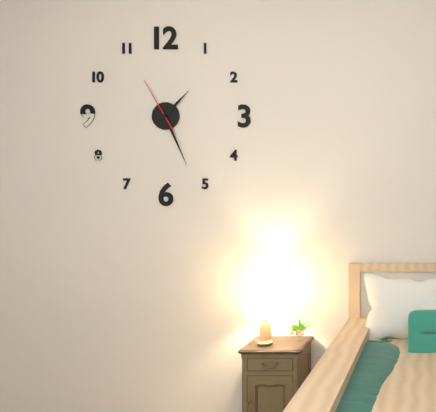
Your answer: 1 h 26 min 55 s
